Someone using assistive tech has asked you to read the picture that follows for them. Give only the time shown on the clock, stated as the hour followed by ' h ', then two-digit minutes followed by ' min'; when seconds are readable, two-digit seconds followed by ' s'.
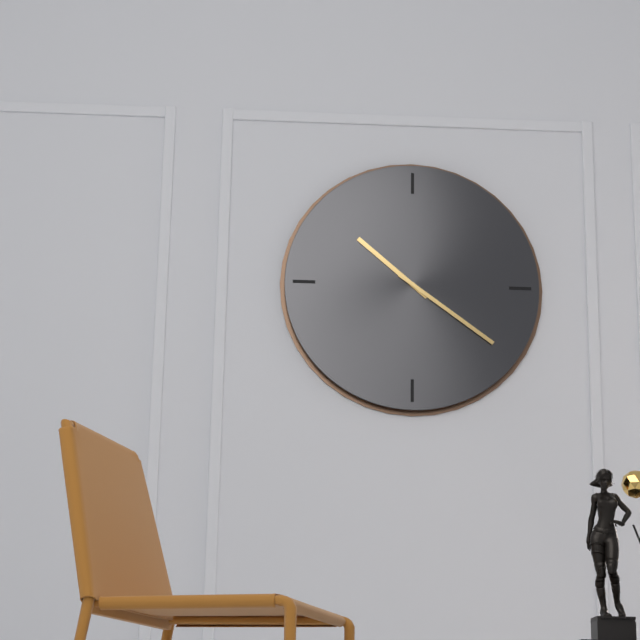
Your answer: 10 h 21 min
